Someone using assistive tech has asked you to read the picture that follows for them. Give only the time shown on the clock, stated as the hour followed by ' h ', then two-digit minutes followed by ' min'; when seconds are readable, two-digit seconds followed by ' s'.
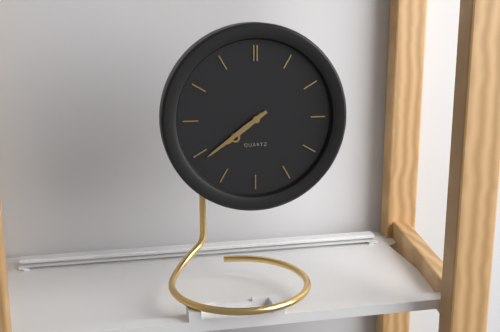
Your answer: 7 h 39 min
